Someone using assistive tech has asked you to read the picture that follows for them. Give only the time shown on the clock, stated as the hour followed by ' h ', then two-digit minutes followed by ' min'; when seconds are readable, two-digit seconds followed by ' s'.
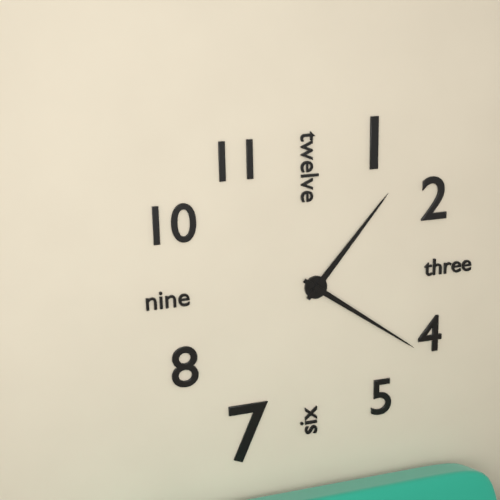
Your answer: 1 h 21 min
